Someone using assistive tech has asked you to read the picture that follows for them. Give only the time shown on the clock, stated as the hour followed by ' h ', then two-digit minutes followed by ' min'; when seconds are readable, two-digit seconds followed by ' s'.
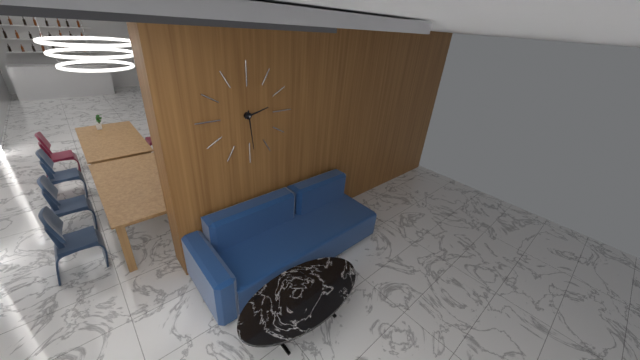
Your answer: 2 h 29 min
